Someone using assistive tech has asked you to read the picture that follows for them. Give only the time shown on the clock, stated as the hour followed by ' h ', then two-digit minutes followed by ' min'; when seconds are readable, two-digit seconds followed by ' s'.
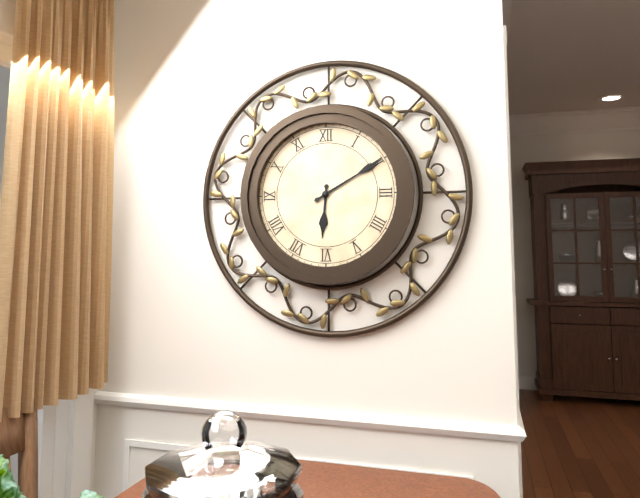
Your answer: 6 h 10 min
